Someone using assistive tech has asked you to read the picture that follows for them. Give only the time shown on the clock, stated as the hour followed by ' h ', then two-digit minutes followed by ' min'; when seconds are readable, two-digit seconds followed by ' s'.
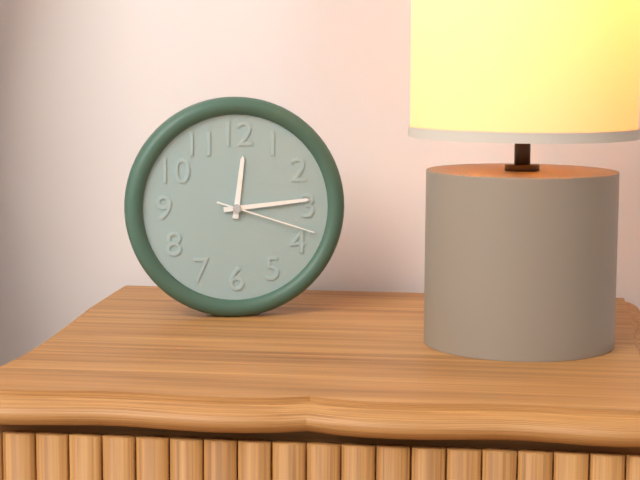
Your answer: 12 h 14 min 18 s
